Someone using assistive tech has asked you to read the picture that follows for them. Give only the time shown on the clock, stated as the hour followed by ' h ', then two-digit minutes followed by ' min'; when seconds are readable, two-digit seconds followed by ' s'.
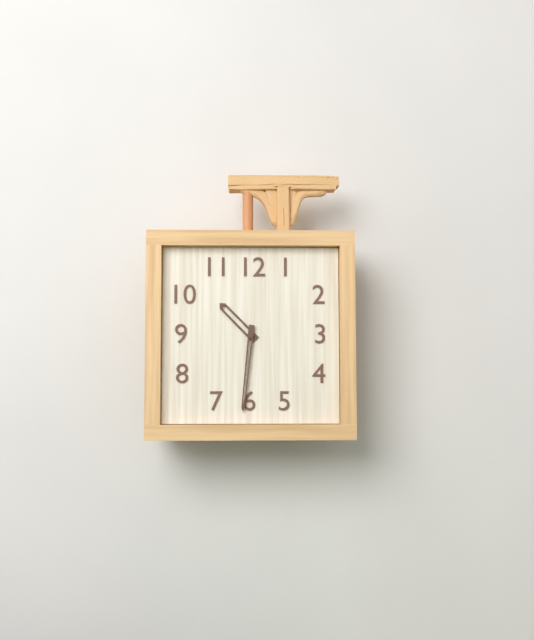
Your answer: 10 h 31 min
